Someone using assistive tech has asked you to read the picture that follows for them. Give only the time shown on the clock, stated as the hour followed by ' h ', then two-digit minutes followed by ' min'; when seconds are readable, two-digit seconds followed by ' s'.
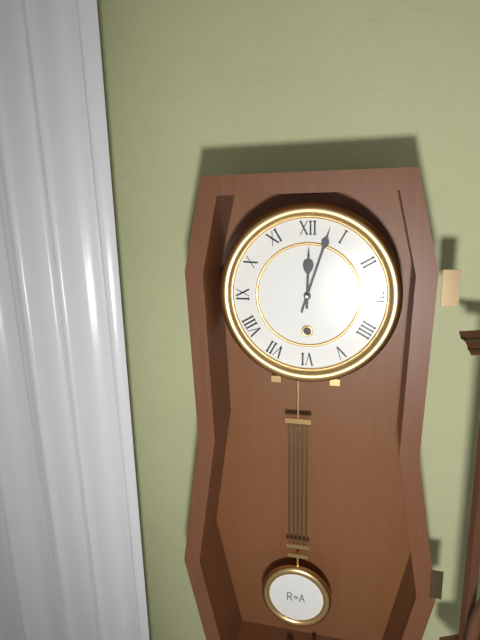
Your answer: 12 h 03 min
